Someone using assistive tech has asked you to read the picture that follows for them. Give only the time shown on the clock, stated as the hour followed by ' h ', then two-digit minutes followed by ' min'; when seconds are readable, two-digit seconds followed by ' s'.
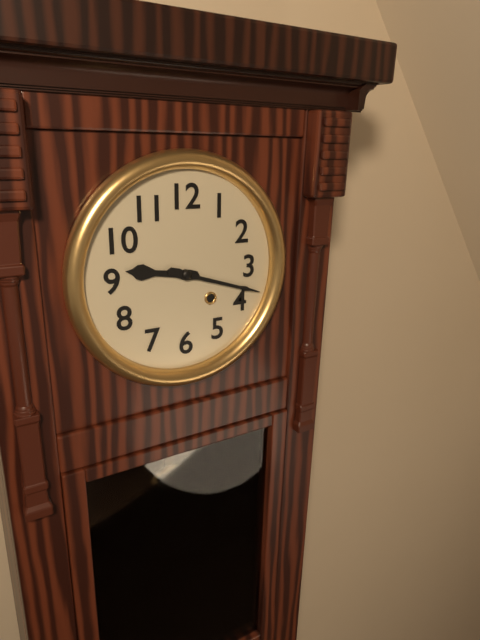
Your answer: 9 h 18 min
